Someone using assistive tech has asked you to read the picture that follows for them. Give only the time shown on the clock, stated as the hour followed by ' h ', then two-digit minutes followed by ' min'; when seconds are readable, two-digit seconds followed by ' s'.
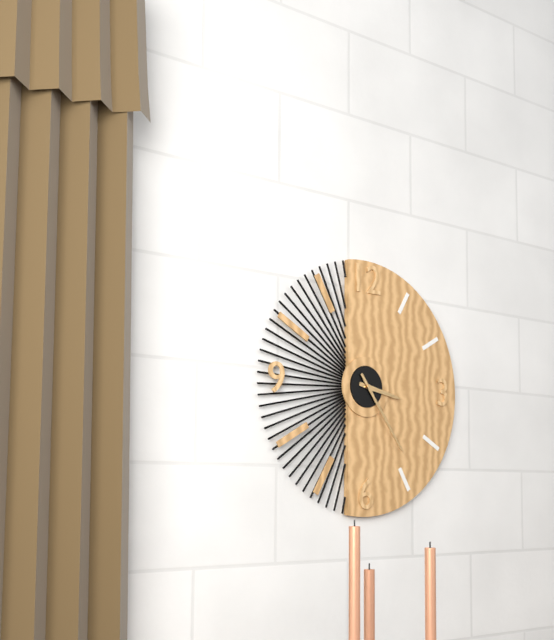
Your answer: 3 h 24 min
